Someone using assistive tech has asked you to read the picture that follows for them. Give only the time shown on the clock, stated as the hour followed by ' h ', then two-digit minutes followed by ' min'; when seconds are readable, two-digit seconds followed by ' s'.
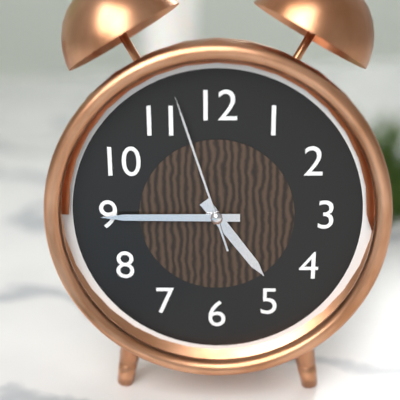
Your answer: 4 h 45 min 57 s
